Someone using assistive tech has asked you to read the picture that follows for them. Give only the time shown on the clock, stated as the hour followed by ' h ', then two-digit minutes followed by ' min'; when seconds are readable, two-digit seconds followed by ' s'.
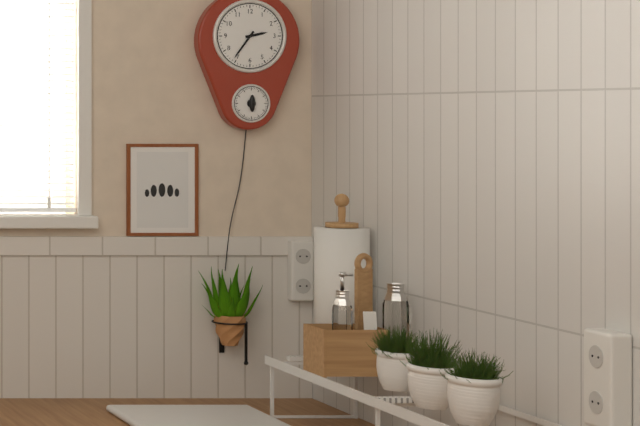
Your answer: 2 h 36 min
